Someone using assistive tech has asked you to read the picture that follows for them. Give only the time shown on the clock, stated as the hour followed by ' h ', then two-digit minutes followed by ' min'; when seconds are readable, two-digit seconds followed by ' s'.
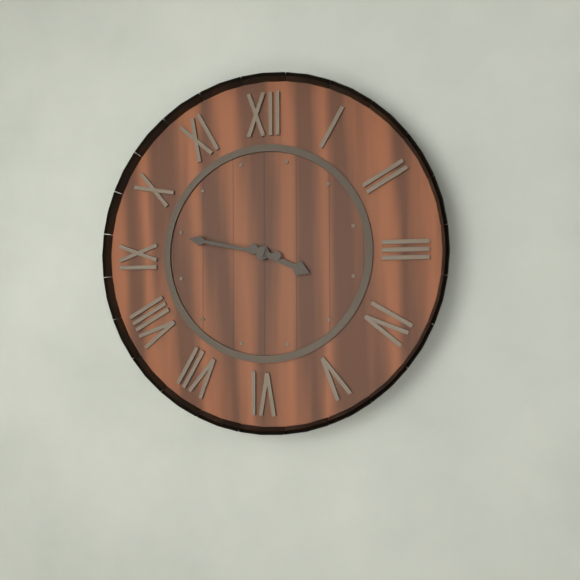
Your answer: 3 h 47 min
